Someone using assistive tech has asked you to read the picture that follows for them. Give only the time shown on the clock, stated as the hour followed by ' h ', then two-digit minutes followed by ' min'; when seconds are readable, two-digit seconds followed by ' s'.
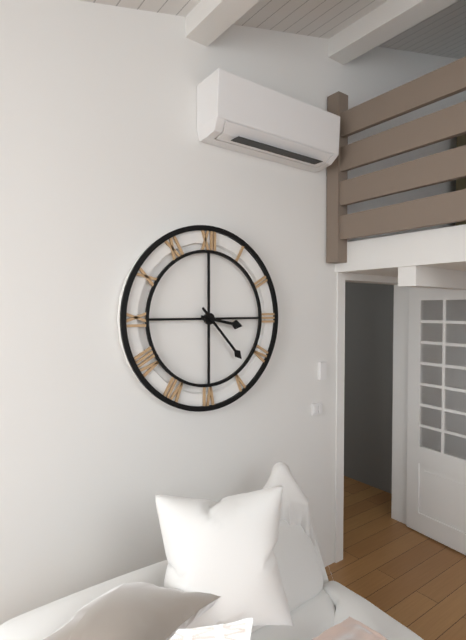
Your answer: 3 h 23 min
